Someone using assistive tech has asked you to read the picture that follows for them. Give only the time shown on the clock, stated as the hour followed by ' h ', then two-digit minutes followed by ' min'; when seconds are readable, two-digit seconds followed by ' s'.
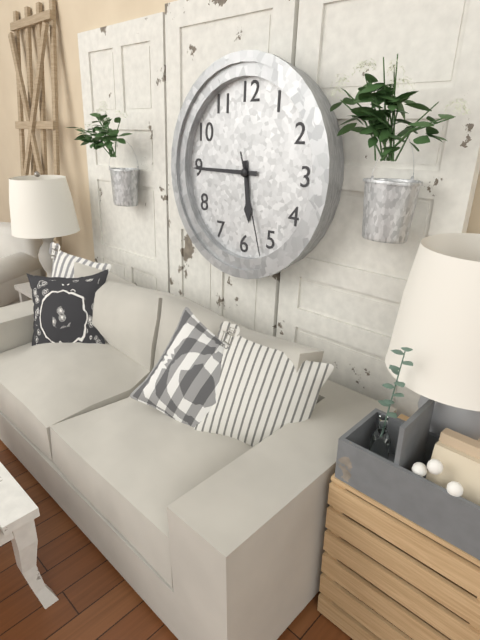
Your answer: 5 h 45 min 27 s
